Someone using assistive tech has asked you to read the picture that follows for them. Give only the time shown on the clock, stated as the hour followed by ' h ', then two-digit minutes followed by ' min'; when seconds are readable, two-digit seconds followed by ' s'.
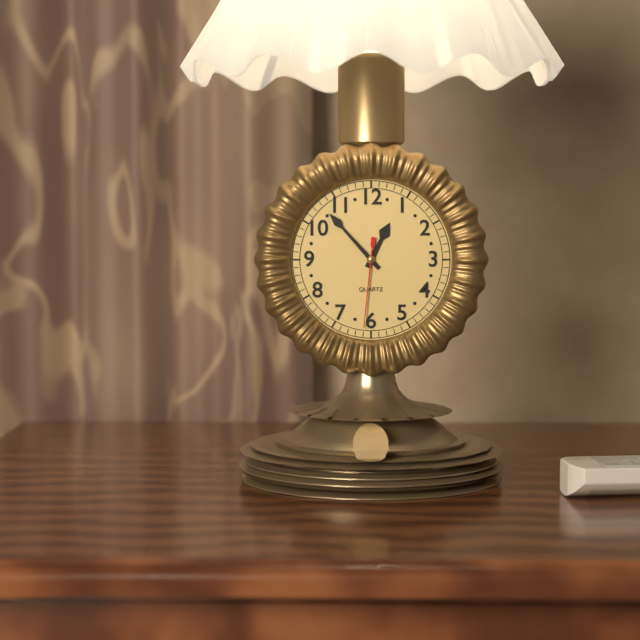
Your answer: 12 h 53 min 31 s
